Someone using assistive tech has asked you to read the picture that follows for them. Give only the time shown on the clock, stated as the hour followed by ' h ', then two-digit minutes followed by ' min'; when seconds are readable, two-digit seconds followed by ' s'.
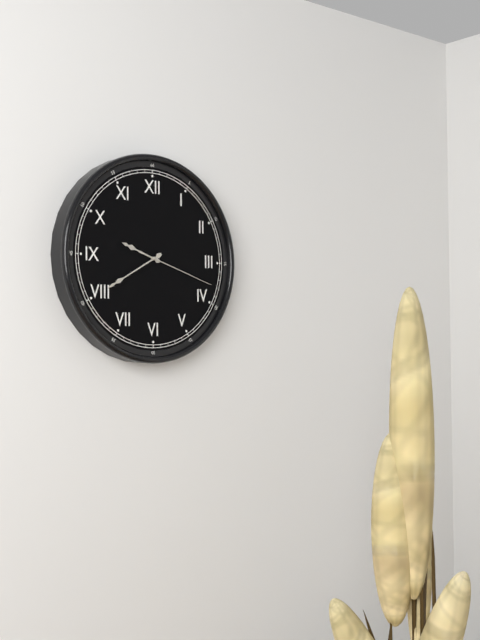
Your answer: 9 h 40 min 18 s
